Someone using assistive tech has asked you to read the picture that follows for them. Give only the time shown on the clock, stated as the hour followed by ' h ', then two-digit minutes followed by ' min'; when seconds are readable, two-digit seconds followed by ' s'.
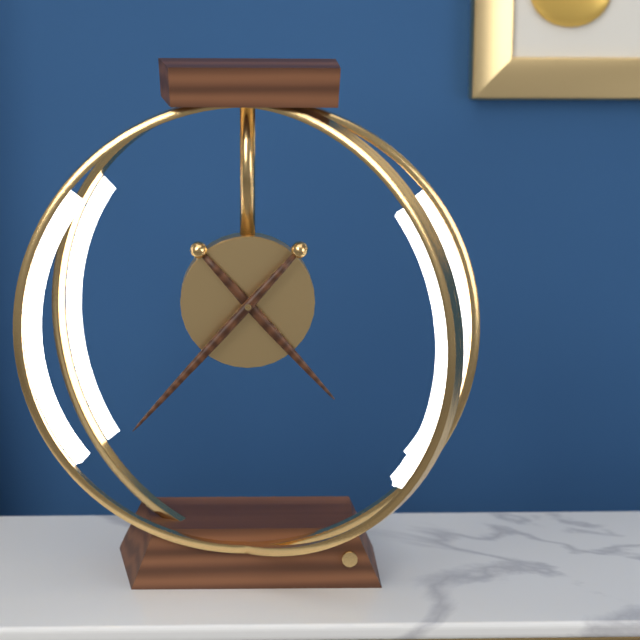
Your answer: 4 h 37 min
